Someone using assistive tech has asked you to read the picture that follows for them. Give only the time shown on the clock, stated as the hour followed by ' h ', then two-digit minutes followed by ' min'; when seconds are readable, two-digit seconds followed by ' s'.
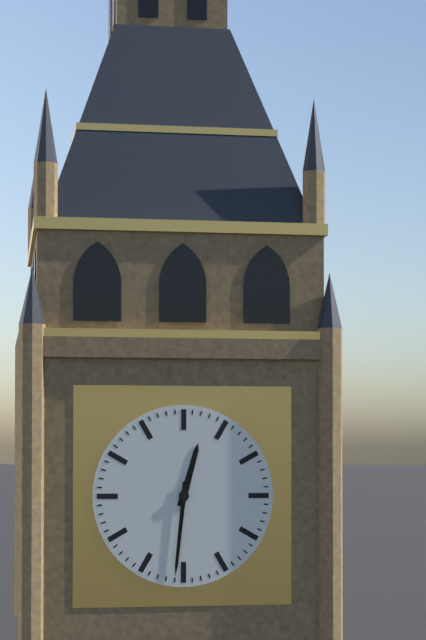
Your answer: 12 h 31 min
